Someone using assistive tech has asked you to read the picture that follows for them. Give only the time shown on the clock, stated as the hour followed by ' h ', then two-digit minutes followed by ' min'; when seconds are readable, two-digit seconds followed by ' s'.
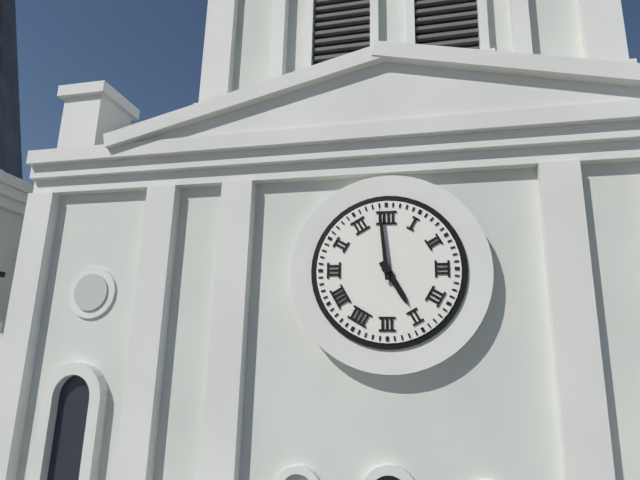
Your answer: 4 h 59 min
